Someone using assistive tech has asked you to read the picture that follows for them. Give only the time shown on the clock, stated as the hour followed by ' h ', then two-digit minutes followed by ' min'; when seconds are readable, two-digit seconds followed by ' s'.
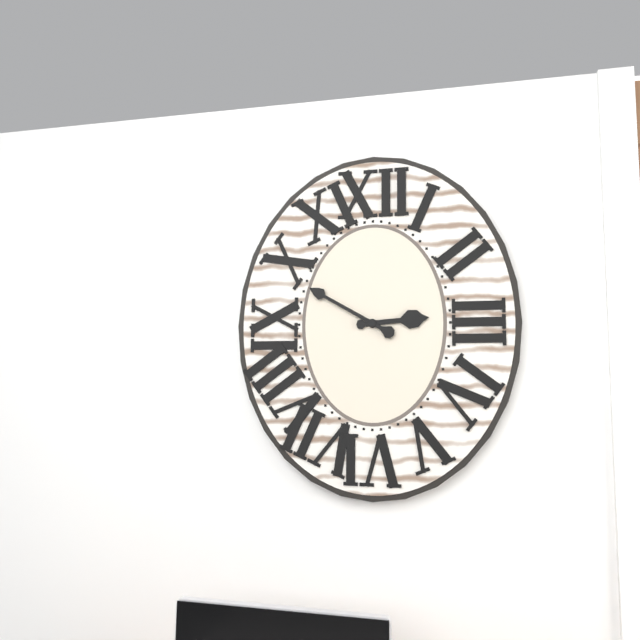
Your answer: 2 h 50 min
